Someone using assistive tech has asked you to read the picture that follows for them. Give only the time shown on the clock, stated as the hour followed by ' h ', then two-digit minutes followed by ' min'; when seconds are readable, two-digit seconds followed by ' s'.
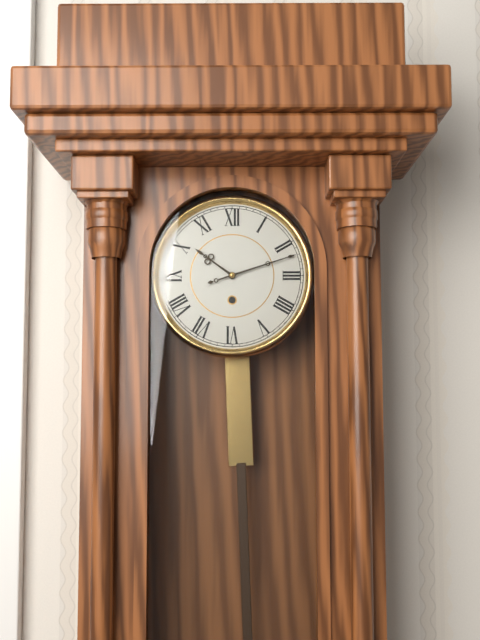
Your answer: 10 h 12 min
